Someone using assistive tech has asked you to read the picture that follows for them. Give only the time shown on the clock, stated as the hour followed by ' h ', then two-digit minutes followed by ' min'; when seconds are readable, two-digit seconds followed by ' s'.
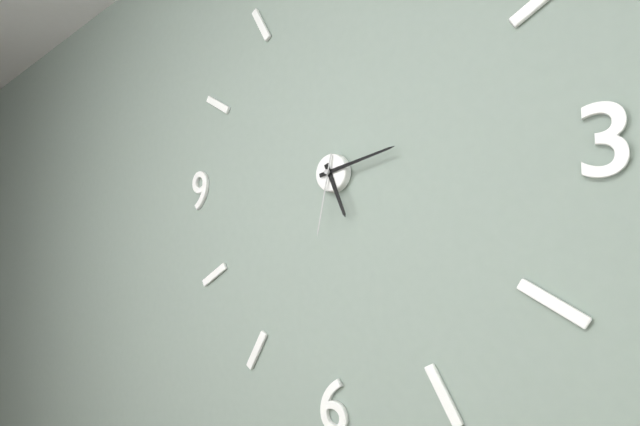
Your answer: 5 h 13 min 32 s
